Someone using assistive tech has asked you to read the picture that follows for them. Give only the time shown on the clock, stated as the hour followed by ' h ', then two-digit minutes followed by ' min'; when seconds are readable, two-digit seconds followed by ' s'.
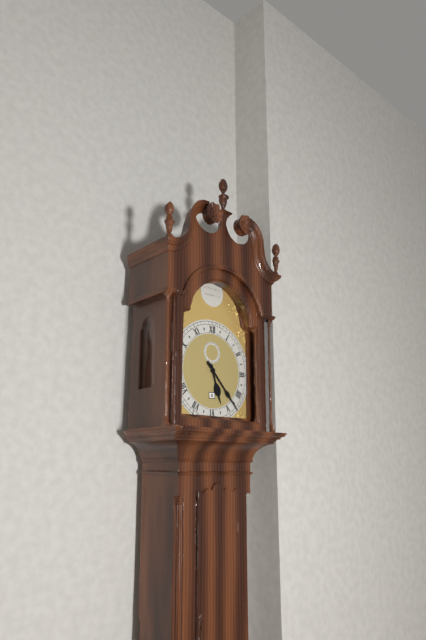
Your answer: 5 h 23 min
